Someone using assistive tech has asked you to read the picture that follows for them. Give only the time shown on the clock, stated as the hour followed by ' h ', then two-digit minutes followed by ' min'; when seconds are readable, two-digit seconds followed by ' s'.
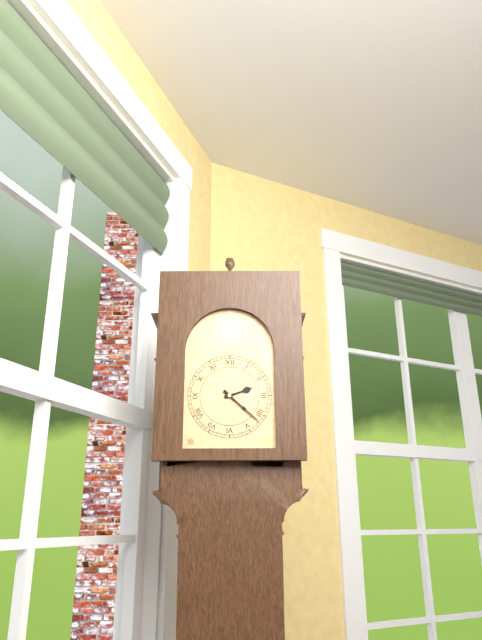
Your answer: 2 h 22 min
